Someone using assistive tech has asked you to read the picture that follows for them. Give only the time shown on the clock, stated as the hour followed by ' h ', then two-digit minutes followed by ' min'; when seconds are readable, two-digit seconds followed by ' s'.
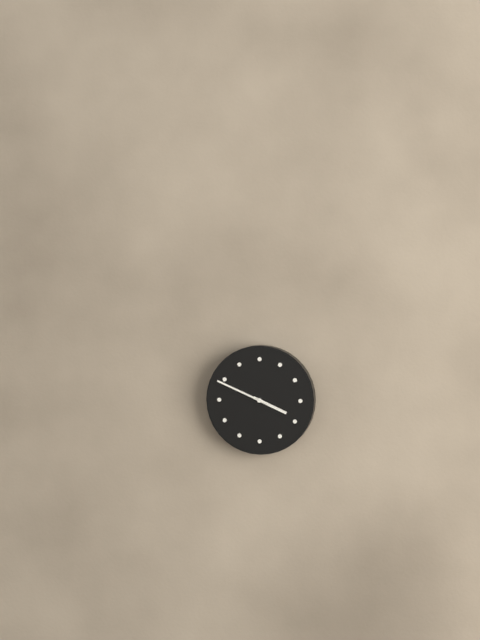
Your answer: 3 h 49 min
